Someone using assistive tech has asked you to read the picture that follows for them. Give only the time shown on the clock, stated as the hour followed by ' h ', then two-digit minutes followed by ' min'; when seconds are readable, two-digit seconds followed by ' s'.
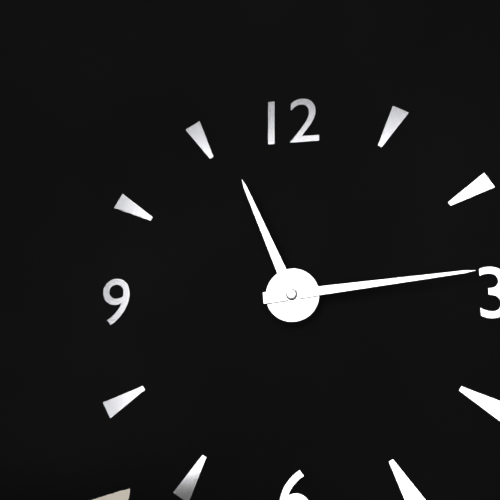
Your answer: 11 h 14 min
